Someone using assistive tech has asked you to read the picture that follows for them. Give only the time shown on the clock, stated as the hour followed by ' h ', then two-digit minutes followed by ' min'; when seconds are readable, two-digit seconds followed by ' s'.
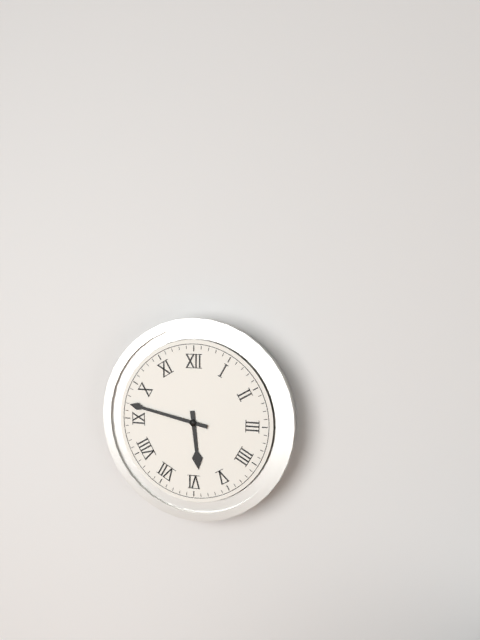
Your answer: 5 h 47 min
